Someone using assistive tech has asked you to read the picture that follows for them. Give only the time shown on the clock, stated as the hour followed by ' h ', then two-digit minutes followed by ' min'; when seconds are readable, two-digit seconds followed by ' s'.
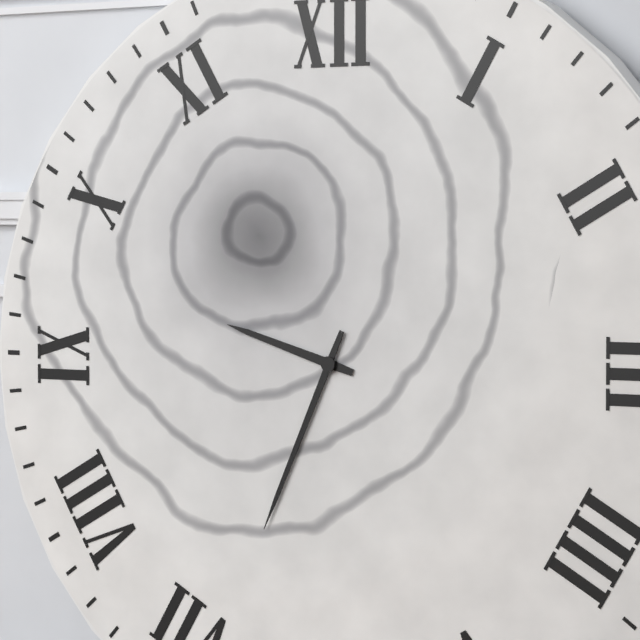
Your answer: 9 h 34 min
